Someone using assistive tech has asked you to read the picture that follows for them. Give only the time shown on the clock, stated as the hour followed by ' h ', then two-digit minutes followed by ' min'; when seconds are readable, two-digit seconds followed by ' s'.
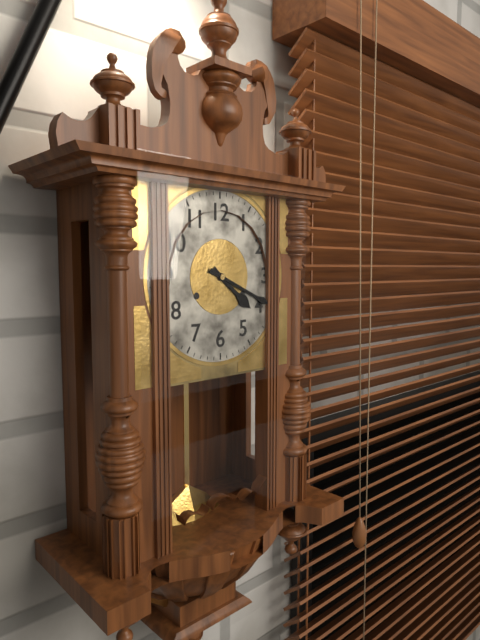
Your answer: 4 h 19 min
